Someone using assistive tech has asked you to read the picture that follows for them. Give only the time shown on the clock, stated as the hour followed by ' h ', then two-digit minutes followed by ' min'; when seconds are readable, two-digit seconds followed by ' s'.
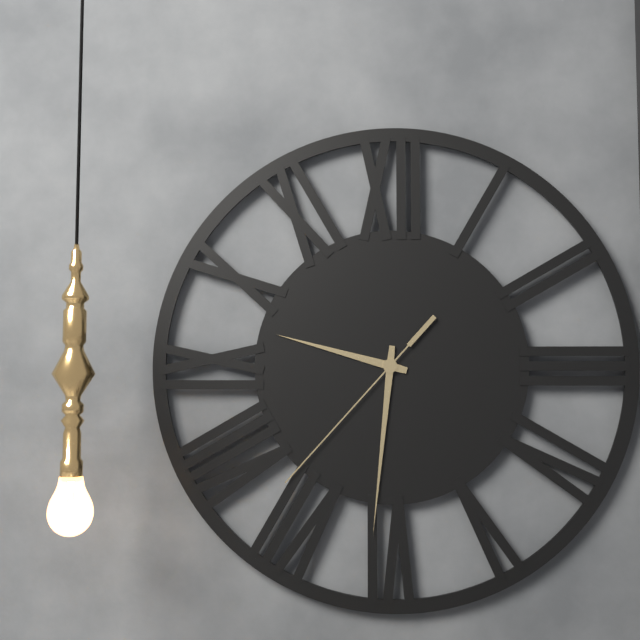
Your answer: 9 h 31 min 37 s
